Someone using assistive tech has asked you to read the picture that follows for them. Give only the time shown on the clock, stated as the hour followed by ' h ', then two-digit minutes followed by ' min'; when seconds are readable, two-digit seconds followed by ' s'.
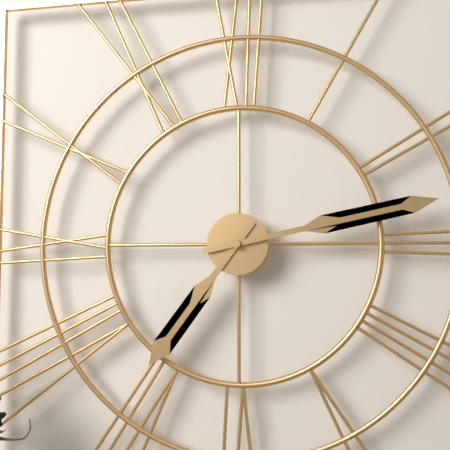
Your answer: 7 h 13 min
